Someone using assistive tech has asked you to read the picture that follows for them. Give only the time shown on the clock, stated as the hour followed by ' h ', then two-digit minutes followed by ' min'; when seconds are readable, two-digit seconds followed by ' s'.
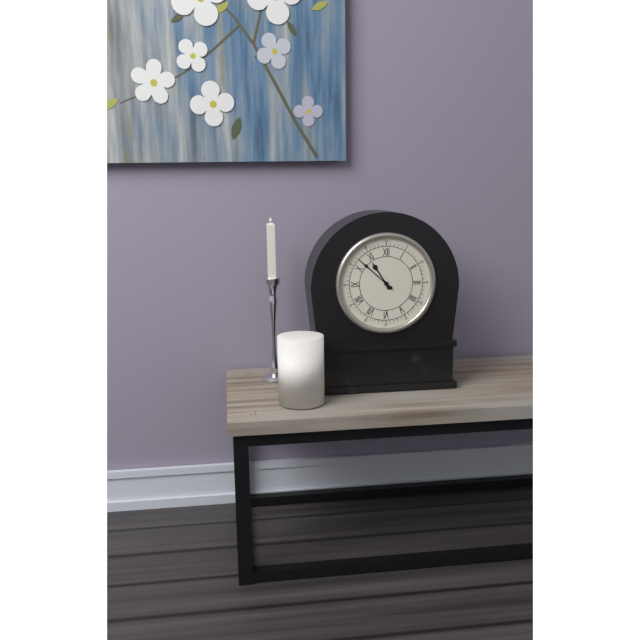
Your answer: 10 h 52 min
